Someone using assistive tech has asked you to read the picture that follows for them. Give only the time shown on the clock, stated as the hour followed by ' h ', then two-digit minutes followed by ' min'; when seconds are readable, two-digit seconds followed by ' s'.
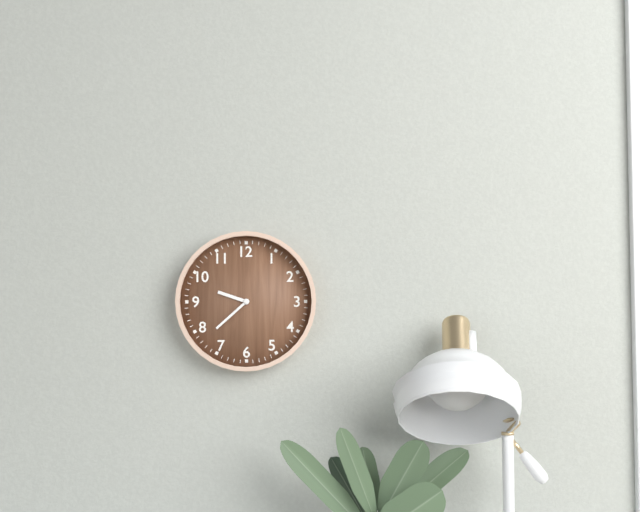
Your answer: 9 h 38 min
